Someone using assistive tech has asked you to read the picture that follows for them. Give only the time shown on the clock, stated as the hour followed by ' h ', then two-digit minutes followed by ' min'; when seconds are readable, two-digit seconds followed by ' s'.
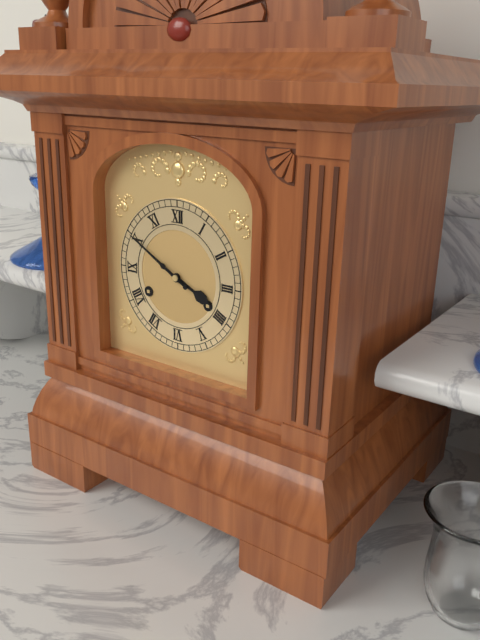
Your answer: 3 h 50 min
